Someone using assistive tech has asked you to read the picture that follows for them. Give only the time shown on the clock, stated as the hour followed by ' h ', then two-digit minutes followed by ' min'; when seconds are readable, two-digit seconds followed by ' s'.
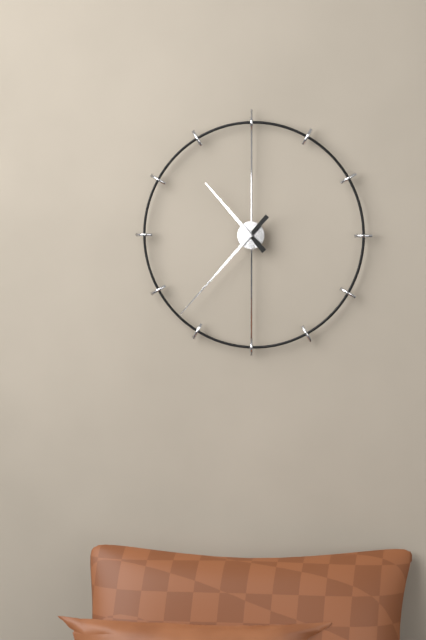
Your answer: 10 h 37 min
